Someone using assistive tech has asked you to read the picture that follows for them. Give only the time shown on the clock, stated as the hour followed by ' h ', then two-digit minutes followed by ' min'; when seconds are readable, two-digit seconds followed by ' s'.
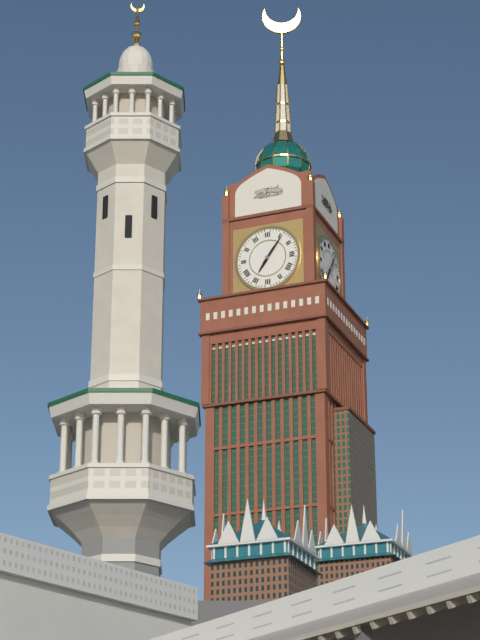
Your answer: 7 h 06 min
